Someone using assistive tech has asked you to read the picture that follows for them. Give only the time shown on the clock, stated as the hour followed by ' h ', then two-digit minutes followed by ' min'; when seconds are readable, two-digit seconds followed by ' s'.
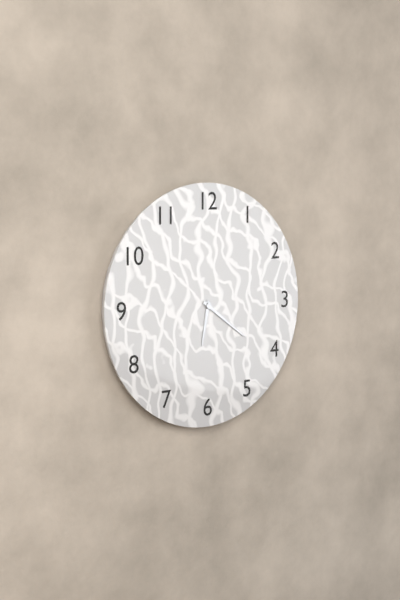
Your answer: 6 h 21 min
